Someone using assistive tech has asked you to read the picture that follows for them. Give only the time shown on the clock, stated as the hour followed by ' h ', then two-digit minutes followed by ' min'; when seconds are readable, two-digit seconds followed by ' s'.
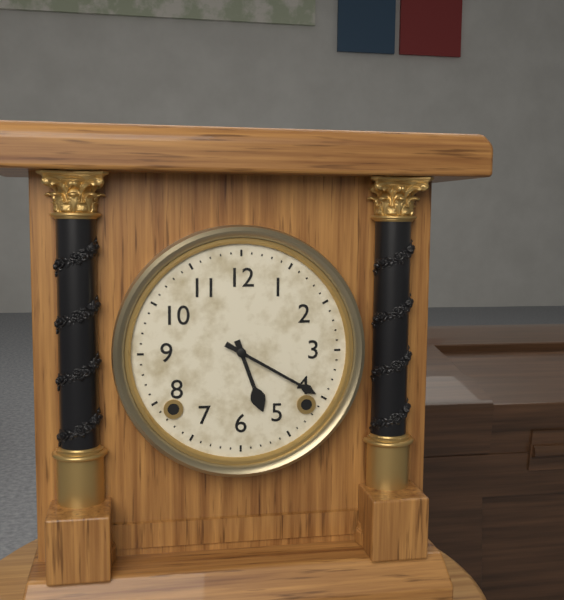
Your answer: 5 h 20 min
